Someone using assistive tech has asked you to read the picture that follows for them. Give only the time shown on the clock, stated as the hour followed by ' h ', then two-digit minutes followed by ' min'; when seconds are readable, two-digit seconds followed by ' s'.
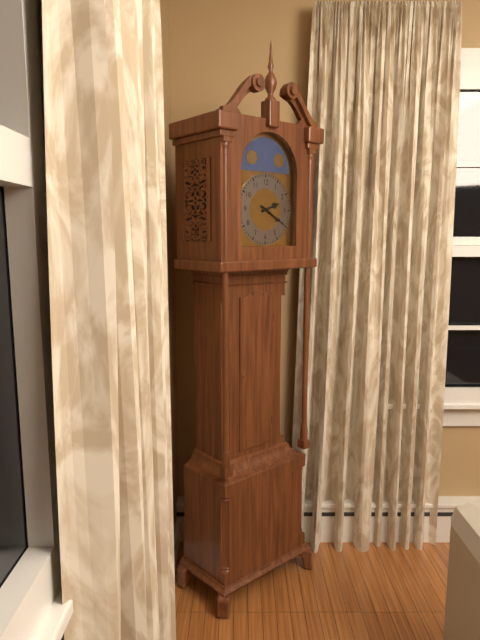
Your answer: 2 h 20 min
